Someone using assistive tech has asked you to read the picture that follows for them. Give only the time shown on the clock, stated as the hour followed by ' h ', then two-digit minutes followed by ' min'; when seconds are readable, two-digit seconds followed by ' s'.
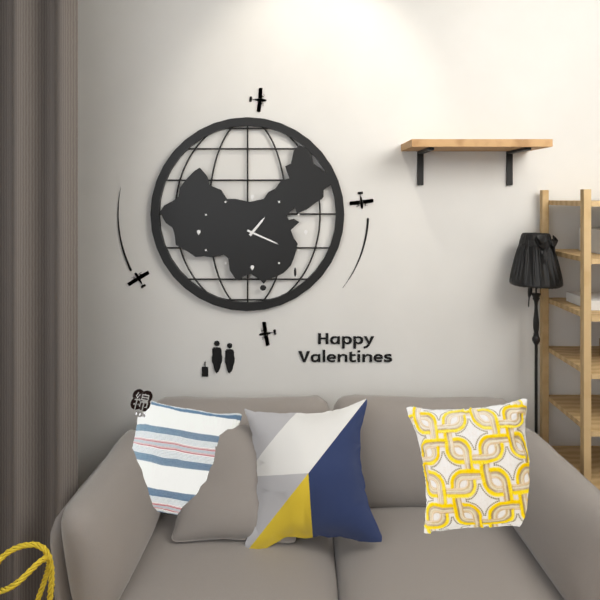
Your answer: 1 h 19 min
